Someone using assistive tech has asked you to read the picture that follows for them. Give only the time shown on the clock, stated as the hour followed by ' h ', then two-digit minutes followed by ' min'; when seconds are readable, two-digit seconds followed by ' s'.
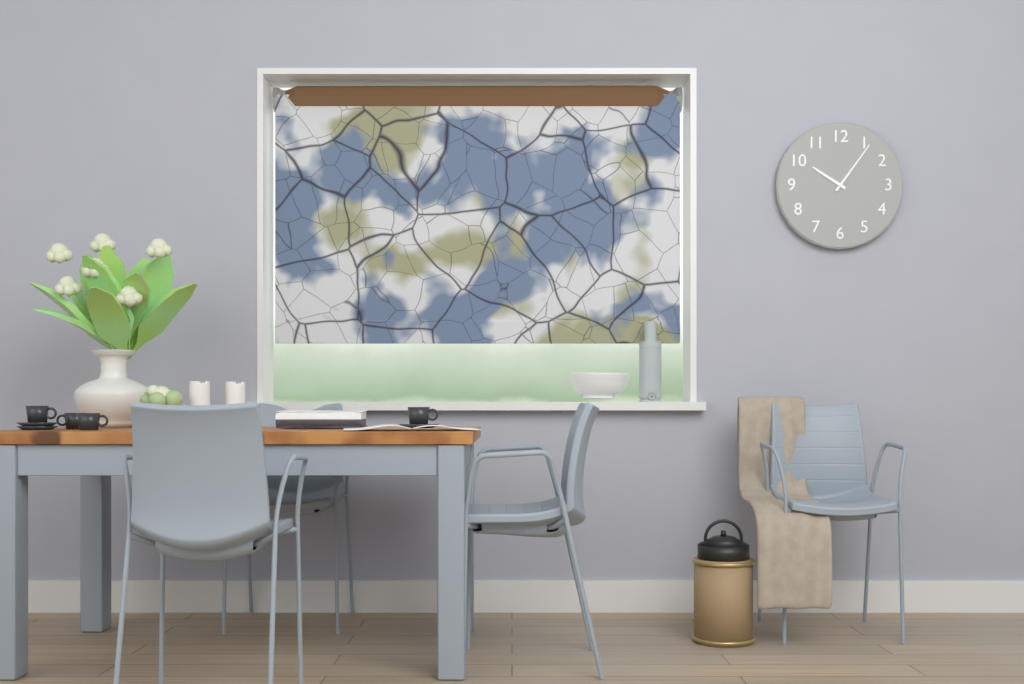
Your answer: 10 h 06 min
